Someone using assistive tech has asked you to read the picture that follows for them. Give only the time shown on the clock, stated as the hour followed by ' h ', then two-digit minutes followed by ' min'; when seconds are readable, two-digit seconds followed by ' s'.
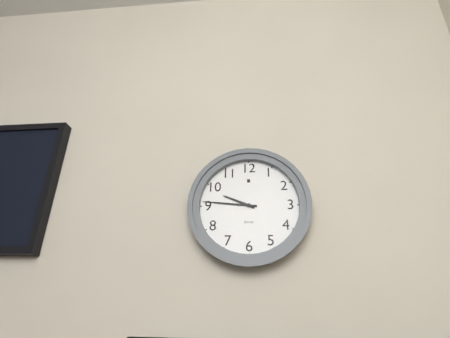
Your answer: 9 h 46 min
